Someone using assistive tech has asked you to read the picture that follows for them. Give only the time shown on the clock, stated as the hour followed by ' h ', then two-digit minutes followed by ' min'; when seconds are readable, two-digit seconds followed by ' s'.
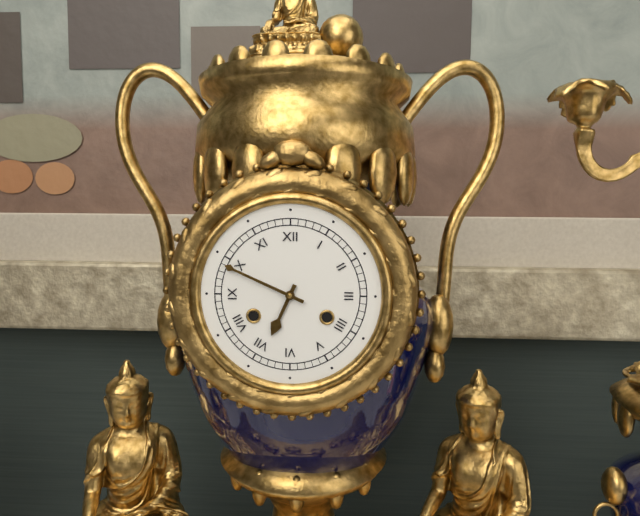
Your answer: 6 h 49 min
